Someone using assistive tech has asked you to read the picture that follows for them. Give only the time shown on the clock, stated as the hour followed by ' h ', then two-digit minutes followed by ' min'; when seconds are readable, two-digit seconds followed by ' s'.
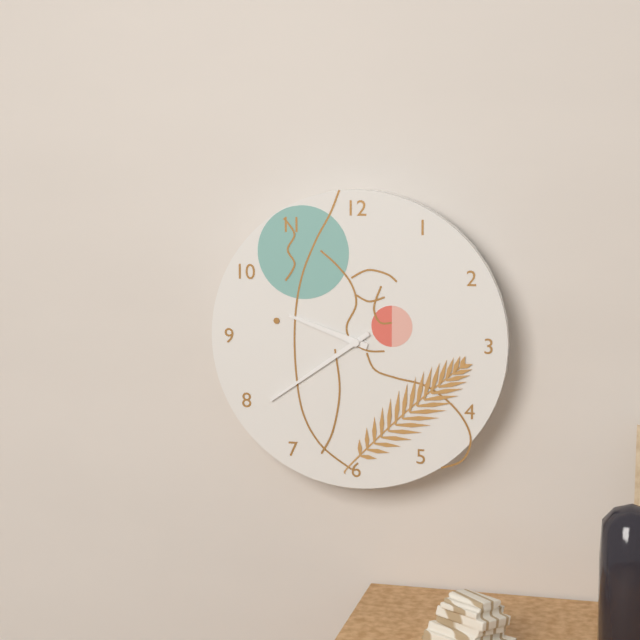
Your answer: 9 h 39 min
